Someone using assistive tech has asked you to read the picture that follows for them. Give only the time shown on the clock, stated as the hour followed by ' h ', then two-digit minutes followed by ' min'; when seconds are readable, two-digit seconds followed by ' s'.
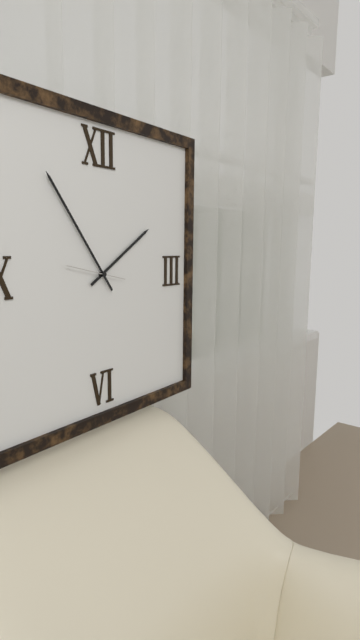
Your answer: 1 h 54 min
